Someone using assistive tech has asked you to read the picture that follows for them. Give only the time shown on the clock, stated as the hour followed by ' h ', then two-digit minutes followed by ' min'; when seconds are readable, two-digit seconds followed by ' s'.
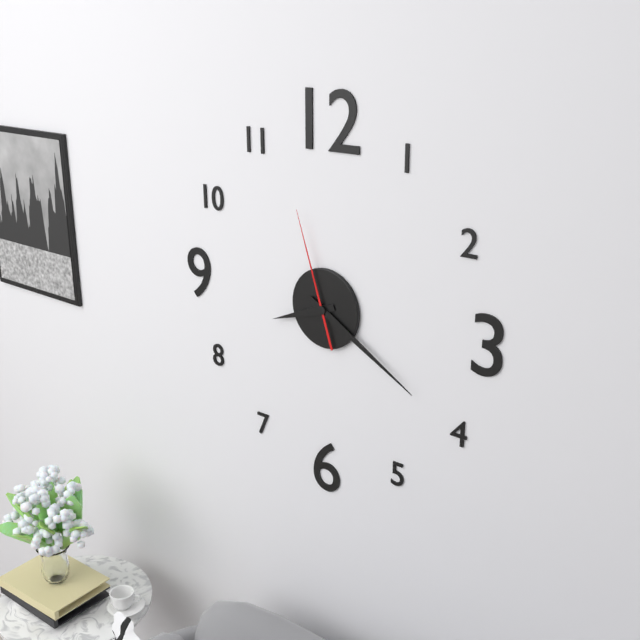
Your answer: 8 h 20 min 57 s
